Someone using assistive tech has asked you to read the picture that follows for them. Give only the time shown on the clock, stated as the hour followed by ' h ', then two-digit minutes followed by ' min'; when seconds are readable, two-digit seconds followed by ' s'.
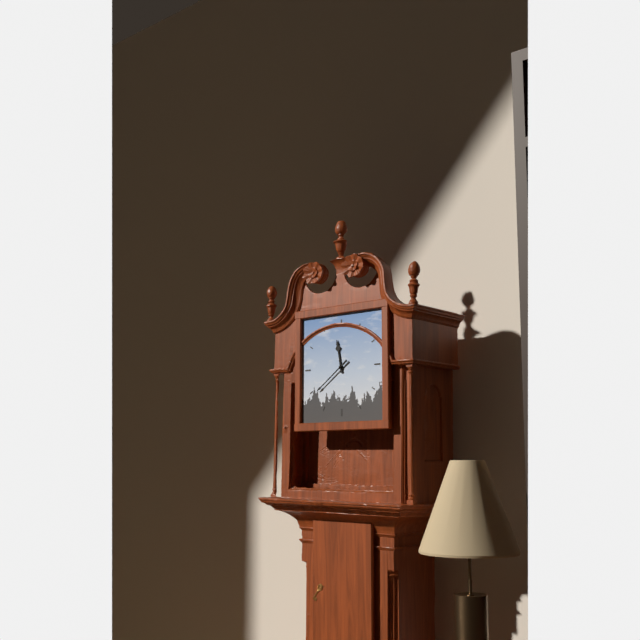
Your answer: 11 h 39 min
